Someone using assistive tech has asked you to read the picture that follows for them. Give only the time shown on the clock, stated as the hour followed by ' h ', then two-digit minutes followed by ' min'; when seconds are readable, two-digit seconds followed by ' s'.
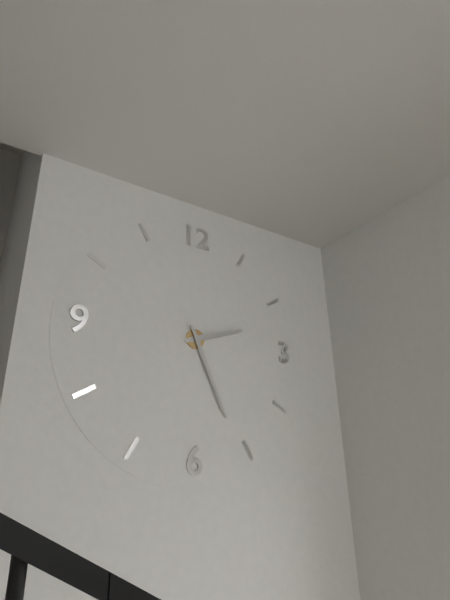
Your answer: 2 h 26 min
